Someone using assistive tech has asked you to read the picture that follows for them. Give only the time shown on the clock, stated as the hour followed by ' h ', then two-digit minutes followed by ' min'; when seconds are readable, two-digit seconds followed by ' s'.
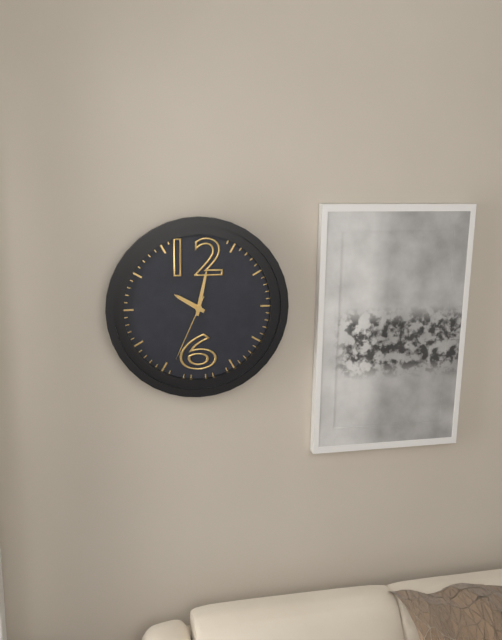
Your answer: 10 h 02 min 34 s
